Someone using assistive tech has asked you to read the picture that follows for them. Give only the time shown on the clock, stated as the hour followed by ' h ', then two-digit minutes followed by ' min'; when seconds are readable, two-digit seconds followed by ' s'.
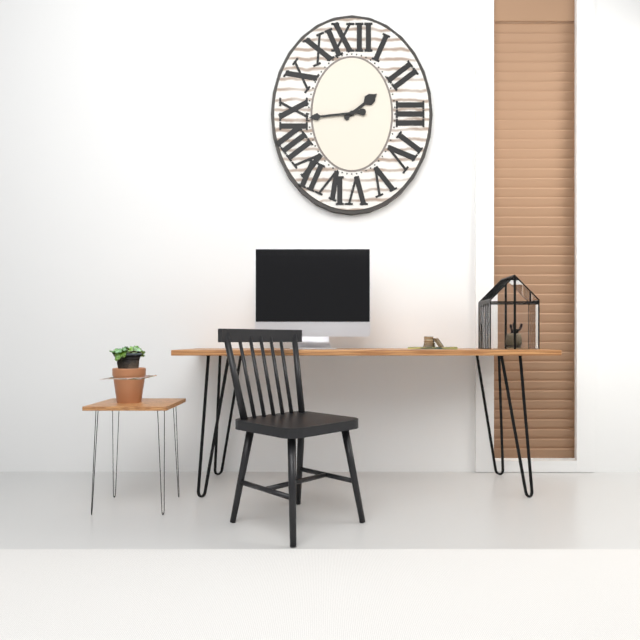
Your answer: 1 h 44 min
